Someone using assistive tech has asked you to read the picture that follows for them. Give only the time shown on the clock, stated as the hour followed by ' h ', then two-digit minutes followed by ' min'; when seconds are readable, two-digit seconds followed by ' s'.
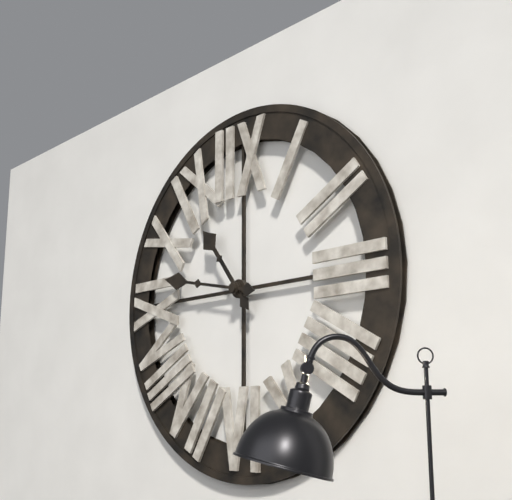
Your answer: 10 h 47 min
